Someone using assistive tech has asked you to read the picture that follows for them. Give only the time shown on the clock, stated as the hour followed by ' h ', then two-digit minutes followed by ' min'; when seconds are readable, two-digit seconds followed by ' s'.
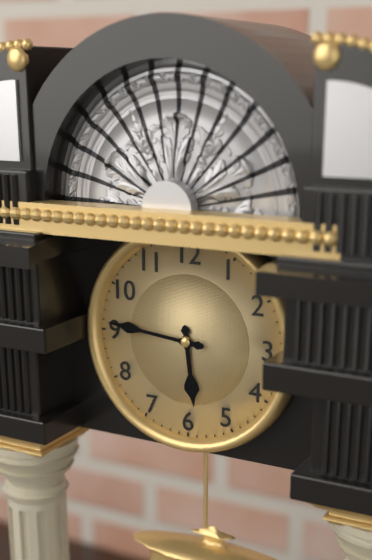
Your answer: 5 h 46 min
